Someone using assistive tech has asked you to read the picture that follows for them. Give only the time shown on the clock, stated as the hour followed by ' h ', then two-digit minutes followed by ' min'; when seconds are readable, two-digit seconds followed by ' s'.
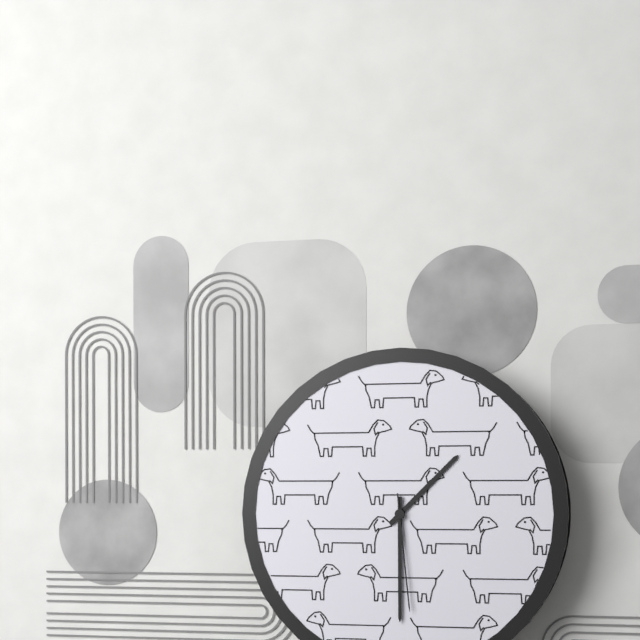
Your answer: 1 h 30 min 29 s
